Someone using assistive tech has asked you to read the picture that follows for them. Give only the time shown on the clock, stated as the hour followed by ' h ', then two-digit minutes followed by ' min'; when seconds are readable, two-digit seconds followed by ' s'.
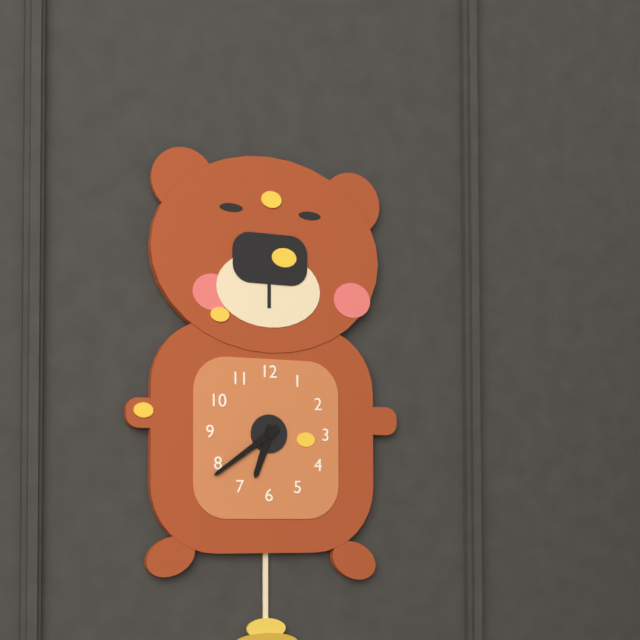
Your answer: 6 h 39 min
